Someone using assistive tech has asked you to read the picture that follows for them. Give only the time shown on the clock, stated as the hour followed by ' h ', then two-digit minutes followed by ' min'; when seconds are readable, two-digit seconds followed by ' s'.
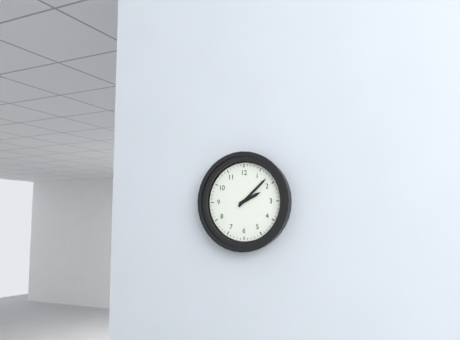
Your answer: 2 h 08 min
